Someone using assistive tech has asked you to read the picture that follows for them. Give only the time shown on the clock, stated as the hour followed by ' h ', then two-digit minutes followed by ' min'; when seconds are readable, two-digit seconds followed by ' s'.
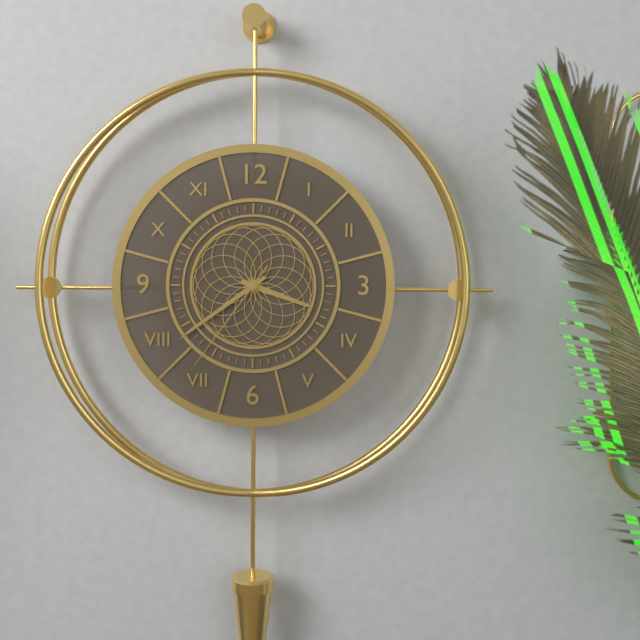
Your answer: 3 h 39 min 36 s
